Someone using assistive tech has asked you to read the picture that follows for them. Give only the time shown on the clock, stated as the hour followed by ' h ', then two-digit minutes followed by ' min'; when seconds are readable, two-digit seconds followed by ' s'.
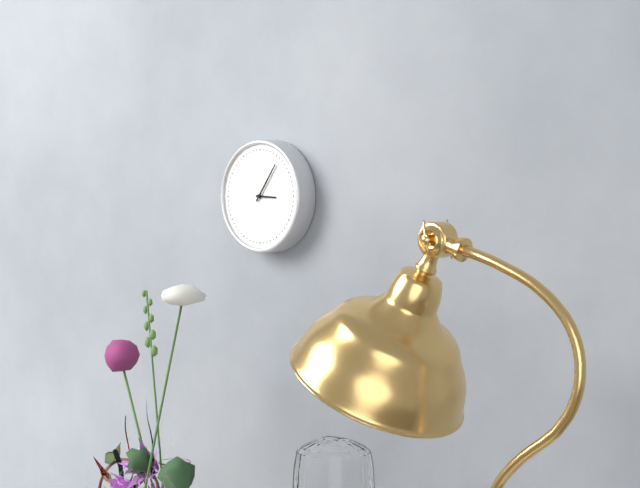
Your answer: 3 h 06 min
